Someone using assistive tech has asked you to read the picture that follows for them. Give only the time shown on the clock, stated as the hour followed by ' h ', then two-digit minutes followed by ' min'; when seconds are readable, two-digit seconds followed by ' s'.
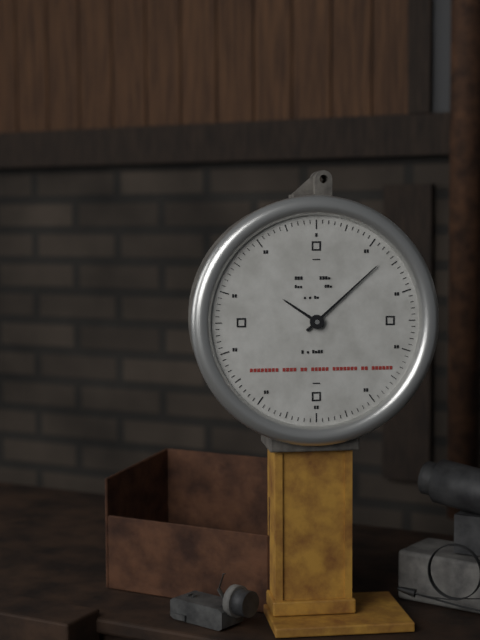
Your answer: 10 h 08 min
